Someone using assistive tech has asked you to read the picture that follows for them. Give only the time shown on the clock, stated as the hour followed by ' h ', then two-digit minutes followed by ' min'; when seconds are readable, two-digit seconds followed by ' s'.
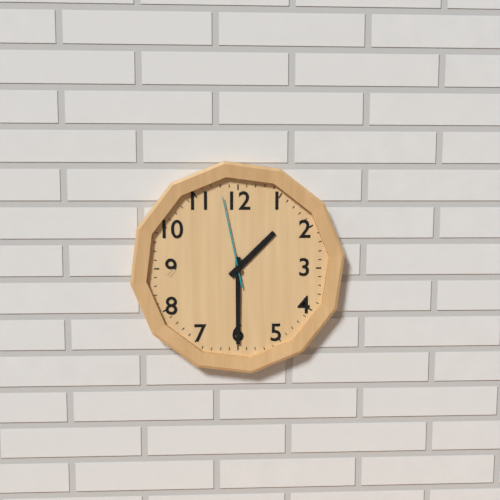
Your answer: 1 h 30 min 58 s
